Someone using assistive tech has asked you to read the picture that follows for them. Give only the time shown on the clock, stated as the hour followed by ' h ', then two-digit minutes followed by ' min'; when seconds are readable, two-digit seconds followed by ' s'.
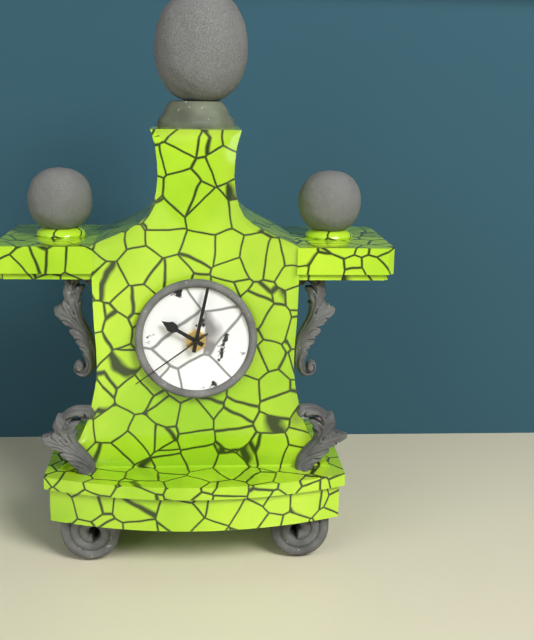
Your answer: 10 h 02 min 39 s
